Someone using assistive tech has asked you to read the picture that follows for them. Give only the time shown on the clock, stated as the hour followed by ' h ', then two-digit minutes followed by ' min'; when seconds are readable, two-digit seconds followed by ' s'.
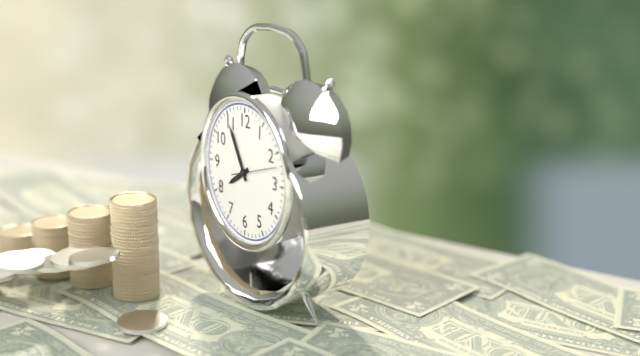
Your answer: 7 h 55 min
